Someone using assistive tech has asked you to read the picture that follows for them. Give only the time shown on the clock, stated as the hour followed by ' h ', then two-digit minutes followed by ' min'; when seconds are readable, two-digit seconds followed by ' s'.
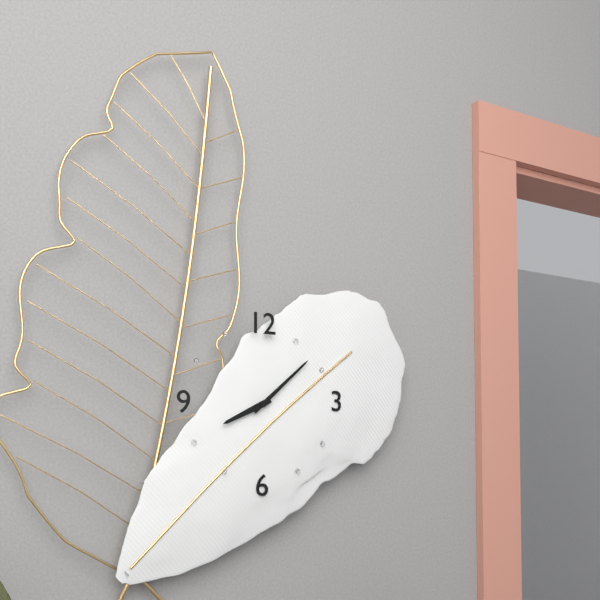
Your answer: 8 h 08 min
